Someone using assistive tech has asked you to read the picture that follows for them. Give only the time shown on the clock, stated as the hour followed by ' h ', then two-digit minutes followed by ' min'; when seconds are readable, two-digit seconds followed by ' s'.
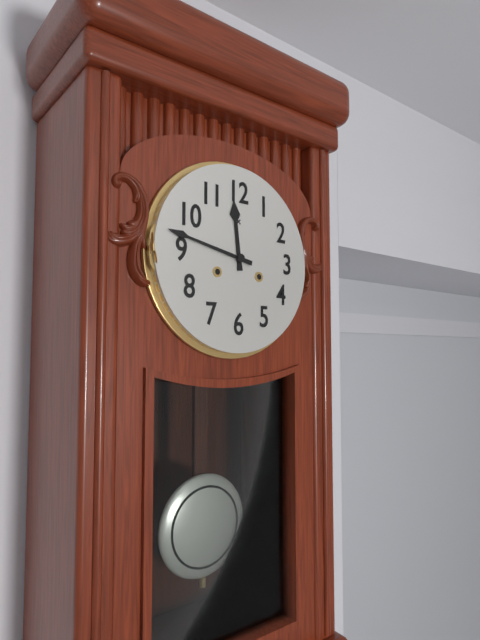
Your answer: 11 h 47 min
